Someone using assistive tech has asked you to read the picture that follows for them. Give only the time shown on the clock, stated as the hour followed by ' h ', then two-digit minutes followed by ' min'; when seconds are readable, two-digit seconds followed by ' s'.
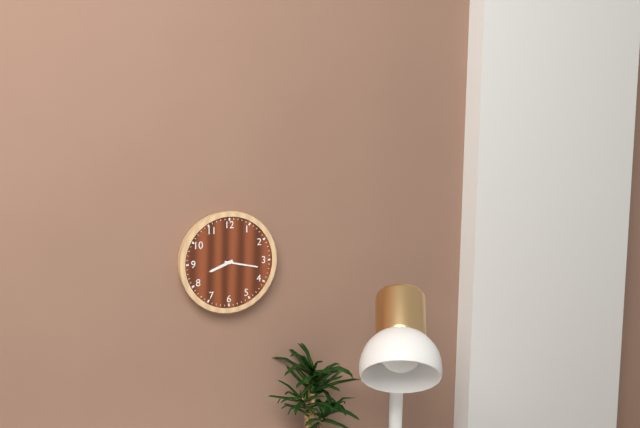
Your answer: 8 h 17 min
